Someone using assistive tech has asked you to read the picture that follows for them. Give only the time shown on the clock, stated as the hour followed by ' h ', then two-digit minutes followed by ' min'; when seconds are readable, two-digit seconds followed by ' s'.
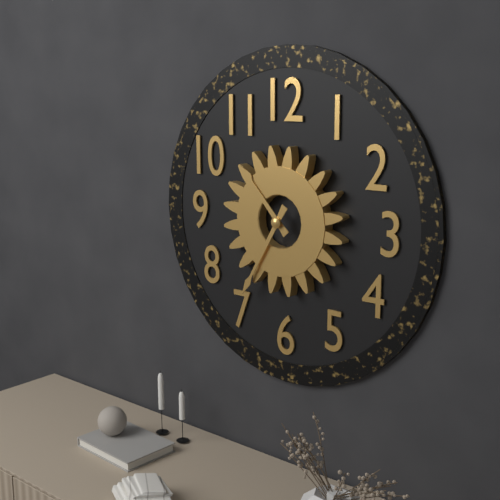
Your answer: 10 h 35 min
